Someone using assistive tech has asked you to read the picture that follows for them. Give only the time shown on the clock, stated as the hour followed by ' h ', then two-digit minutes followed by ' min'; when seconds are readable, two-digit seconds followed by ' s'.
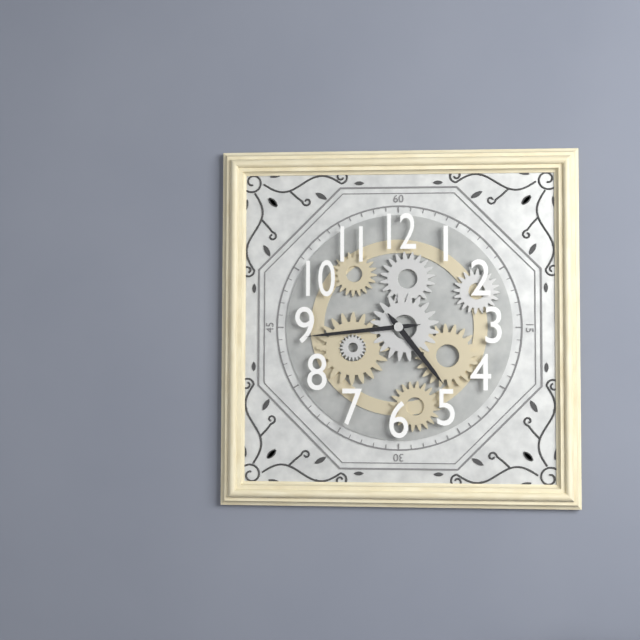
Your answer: 4 h 44 min
